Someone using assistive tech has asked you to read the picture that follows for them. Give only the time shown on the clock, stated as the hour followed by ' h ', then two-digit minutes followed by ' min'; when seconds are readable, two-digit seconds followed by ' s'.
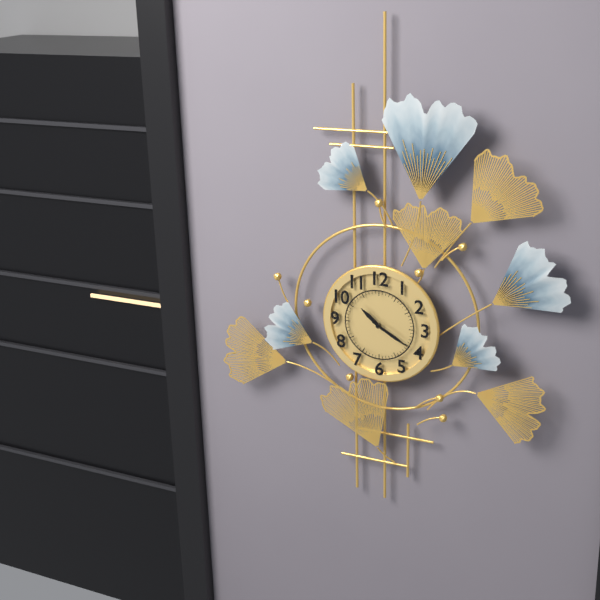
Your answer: 10 h 20 min
